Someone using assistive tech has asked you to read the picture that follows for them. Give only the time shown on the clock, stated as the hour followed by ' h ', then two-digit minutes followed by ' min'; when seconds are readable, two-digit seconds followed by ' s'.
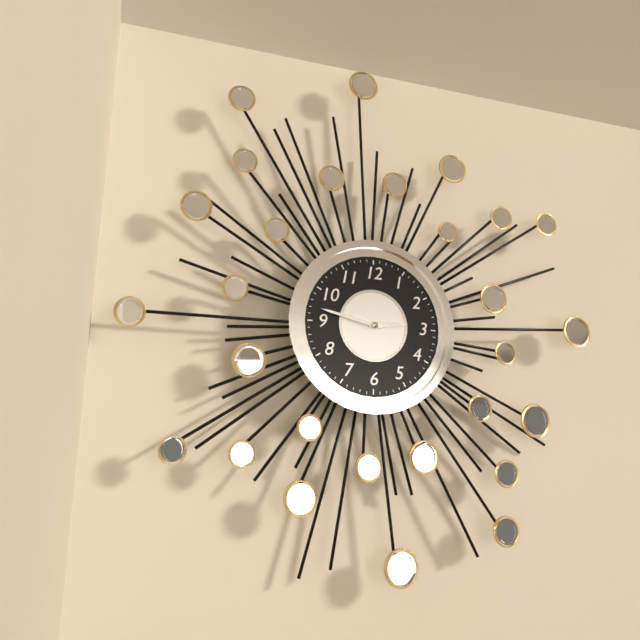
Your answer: 2 h 47 min
